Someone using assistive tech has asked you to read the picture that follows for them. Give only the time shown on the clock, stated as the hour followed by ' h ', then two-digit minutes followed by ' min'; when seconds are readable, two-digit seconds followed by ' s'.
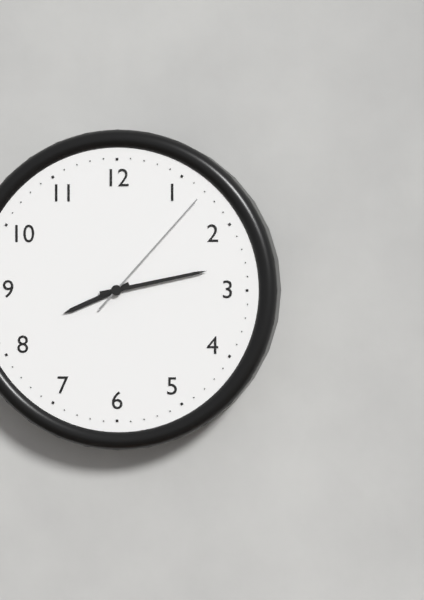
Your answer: 8 h 13 min 07 s
